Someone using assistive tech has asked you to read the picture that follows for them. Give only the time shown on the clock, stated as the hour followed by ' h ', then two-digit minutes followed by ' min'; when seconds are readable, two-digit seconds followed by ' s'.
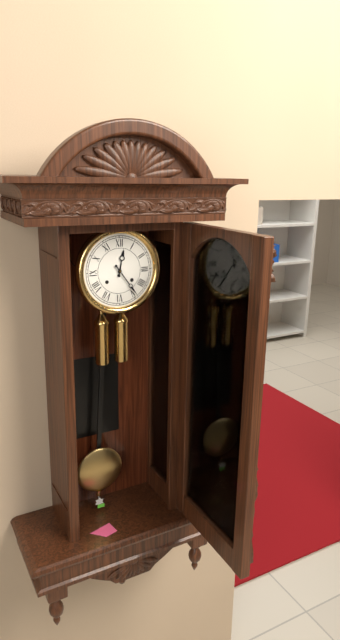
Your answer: 12 h 24 min
